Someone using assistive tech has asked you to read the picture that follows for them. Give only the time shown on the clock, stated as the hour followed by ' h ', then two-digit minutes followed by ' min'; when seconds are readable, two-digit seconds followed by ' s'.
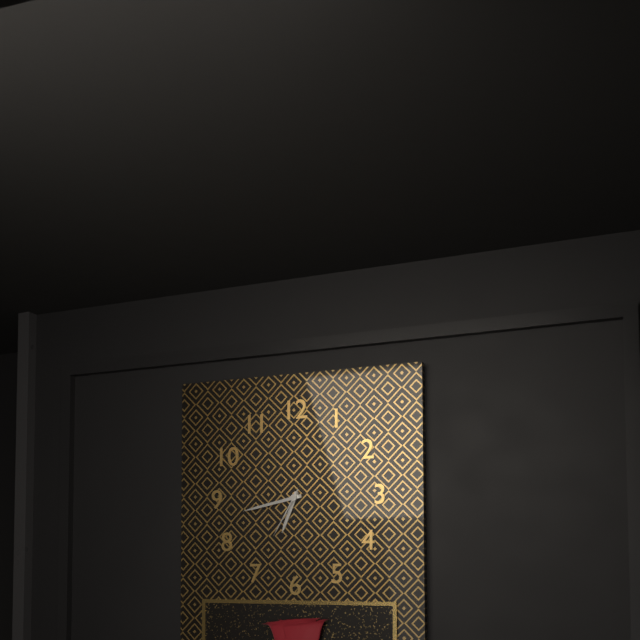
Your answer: 6 h 43 min 35 s
